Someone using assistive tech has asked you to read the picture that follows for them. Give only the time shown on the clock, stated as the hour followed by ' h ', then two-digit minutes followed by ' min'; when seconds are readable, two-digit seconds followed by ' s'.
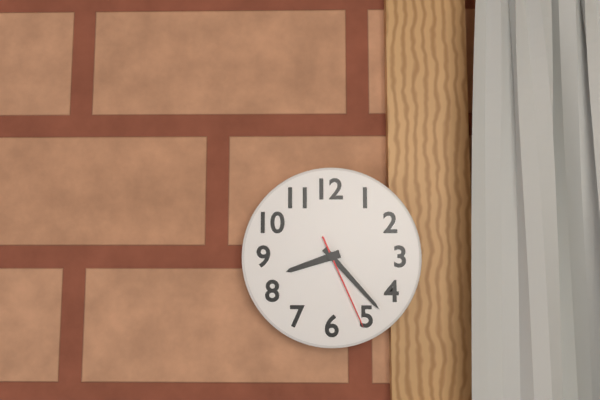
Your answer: 8 h 23 min 26 s
